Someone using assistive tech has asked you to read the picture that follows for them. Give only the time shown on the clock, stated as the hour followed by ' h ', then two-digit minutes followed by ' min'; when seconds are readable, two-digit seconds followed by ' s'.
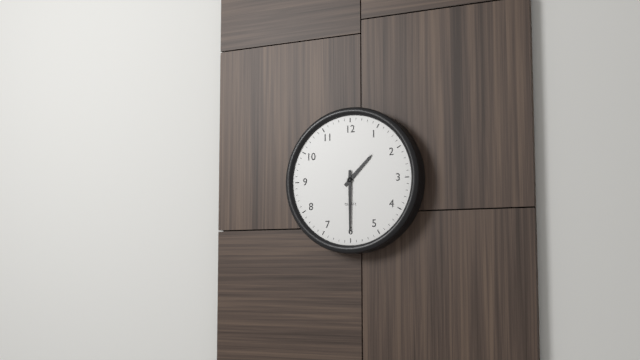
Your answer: 1 h 30 min
